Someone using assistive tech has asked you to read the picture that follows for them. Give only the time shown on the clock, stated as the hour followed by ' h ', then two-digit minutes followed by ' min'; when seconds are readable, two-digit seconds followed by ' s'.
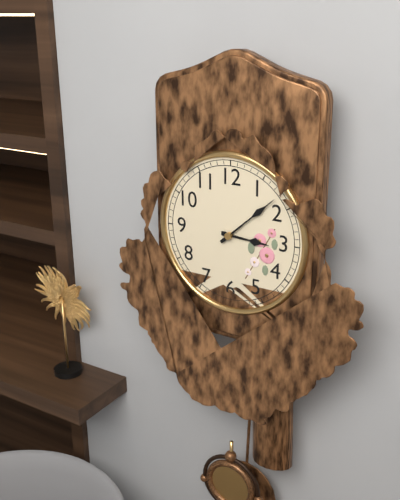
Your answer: 3 h 08 min
